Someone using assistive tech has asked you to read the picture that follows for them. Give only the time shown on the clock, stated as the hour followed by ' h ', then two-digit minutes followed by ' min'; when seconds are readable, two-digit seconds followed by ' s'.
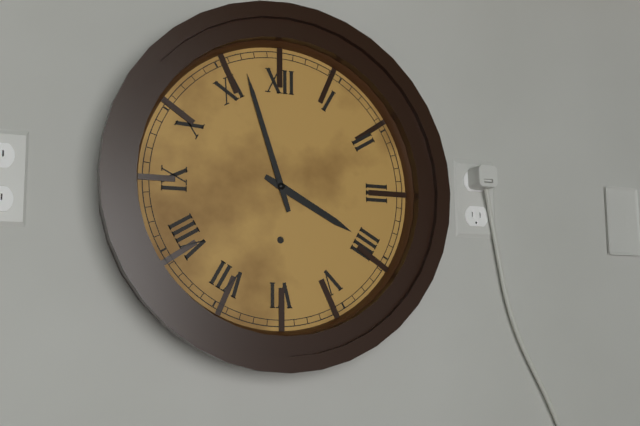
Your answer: 3 h 57 min
